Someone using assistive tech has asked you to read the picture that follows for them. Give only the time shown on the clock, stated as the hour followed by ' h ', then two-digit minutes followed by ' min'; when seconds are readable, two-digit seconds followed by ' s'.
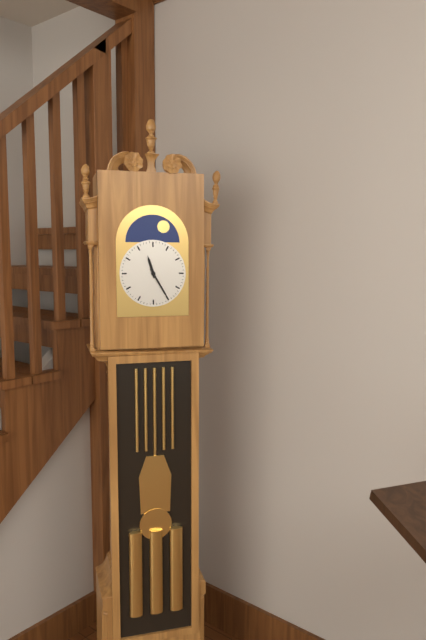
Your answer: 11 h 25 min
